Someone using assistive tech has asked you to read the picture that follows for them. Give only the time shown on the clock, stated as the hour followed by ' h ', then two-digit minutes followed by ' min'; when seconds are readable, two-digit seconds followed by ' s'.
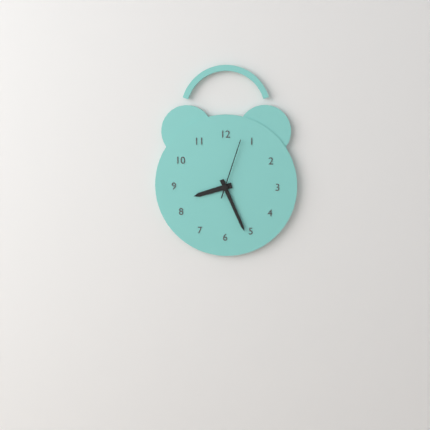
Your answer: 8 h 26 min 03 s
